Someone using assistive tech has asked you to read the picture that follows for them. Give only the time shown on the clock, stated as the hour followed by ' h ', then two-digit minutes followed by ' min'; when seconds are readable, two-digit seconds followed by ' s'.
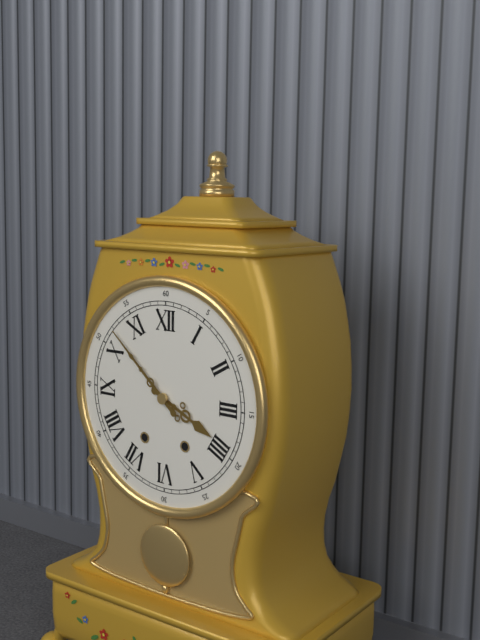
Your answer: 3 h 52 min
